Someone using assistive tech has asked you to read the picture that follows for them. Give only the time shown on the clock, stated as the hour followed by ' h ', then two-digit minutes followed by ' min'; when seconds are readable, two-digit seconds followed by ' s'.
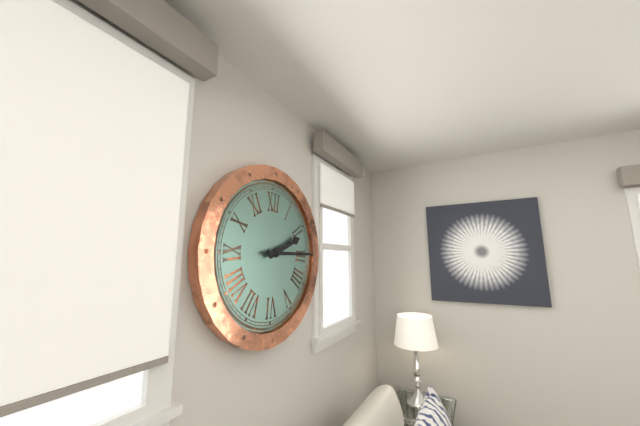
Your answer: 2 h 15 min
